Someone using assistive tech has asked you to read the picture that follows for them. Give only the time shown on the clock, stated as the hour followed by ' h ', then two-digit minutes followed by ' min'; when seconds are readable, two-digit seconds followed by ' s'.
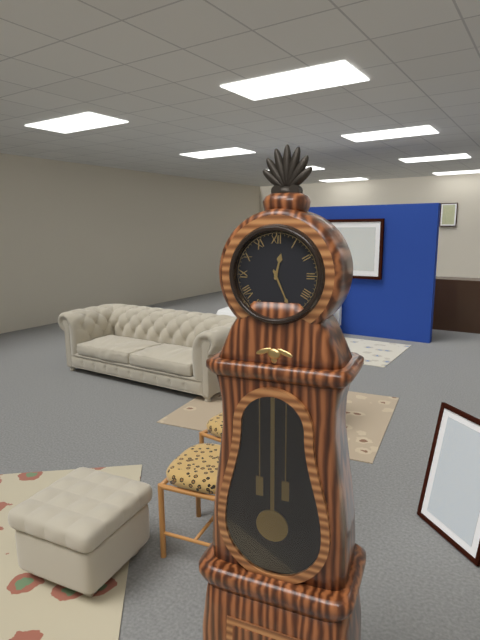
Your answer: 12 h 26 min
